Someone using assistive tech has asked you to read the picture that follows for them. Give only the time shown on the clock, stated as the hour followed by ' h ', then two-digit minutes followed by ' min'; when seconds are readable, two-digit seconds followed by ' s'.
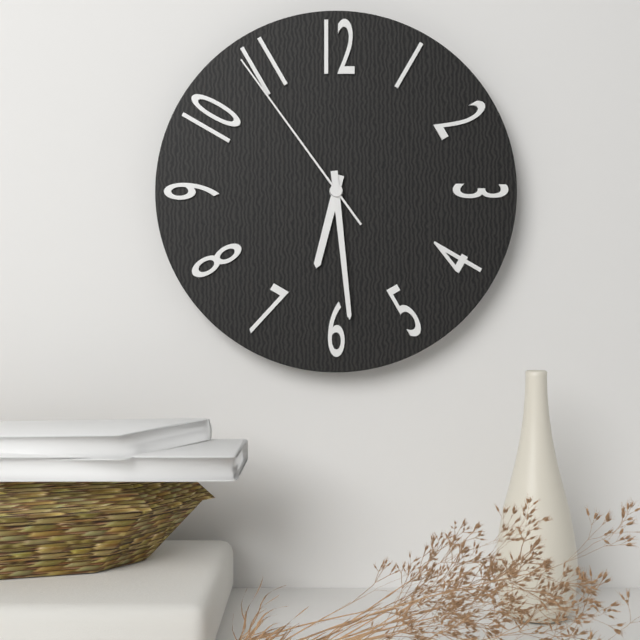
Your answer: 6 h 29 min 54 s
